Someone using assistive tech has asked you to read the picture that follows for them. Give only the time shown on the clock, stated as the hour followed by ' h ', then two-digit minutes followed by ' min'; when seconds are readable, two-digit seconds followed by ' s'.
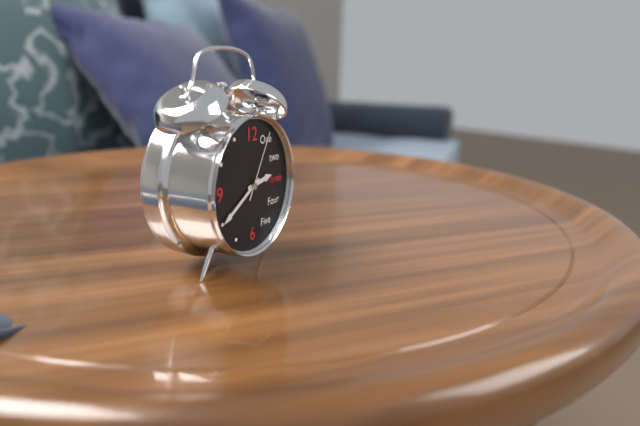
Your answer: 2 h 40 min 05 s
